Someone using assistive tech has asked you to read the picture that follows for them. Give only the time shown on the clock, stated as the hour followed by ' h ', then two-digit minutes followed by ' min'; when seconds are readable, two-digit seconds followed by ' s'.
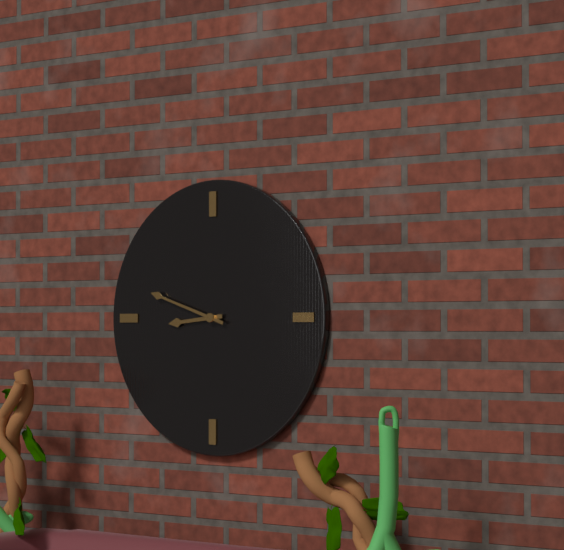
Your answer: 8 h 48 min
